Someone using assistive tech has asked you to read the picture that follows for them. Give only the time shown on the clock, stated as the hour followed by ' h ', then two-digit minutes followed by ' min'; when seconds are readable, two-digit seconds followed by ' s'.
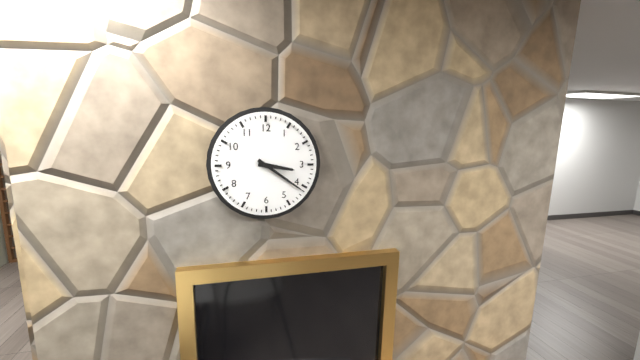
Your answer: 3 h 21 min
